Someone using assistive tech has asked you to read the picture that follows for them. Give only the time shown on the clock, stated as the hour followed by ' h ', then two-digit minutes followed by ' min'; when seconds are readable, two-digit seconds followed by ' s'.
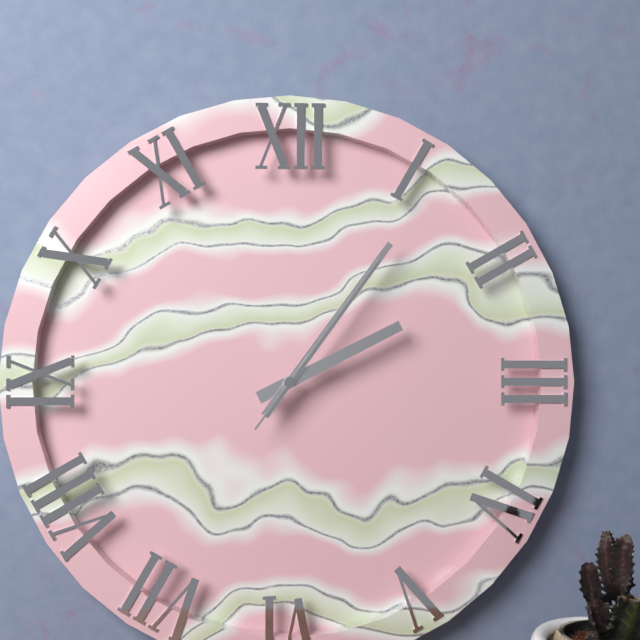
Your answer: 2 h 06 min 06 s
